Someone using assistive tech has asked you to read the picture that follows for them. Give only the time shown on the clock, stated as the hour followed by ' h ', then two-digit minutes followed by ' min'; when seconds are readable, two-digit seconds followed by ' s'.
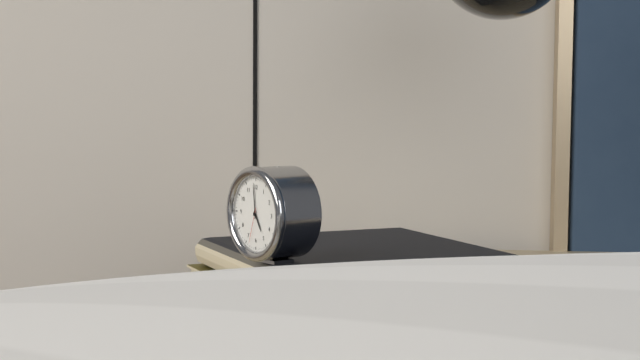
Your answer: 4 h 59 min
